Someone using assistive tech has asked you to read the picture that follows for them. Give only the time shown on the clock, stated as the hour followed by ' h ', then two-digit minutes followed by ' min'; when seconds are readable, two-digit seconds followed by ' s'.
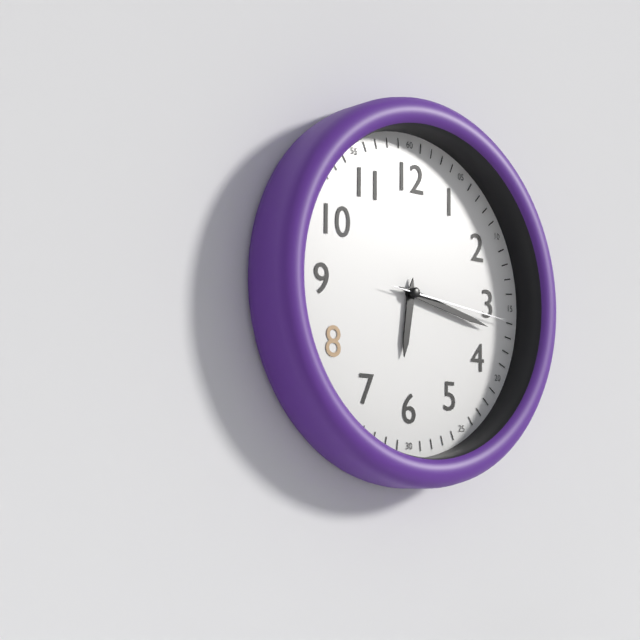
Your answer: 6 h 17 min 16 s
